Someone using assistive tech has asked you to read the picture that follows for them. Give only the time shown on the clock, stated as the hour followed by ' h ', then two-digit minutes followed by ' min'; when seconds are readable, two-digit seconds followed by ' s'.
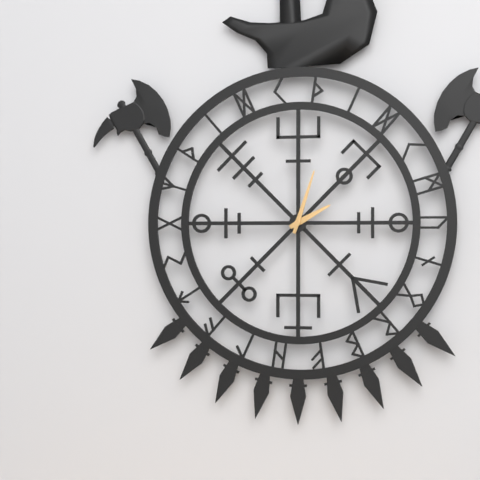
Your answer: 2 h 03 min
